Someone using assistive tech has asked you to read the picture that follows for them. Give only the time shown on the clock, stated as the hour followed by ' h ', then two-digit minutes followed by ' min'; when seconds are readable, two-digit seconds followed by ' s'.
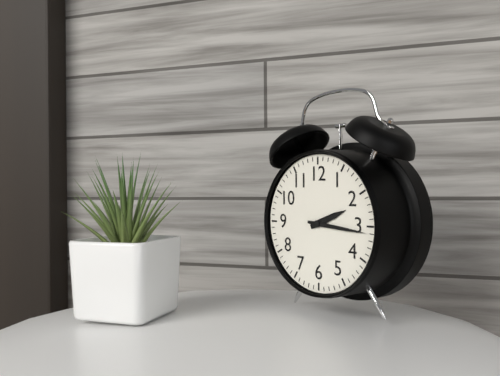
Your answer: 2 h 16 min
